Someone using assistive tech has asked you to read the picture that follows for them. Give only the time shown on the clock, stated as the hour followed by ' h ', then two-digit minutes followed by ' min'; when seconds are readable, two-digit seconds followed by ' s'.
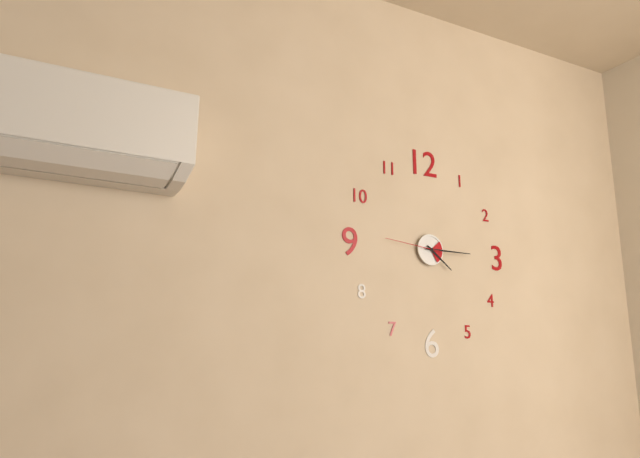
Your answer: 4 h 15 min 46 s
